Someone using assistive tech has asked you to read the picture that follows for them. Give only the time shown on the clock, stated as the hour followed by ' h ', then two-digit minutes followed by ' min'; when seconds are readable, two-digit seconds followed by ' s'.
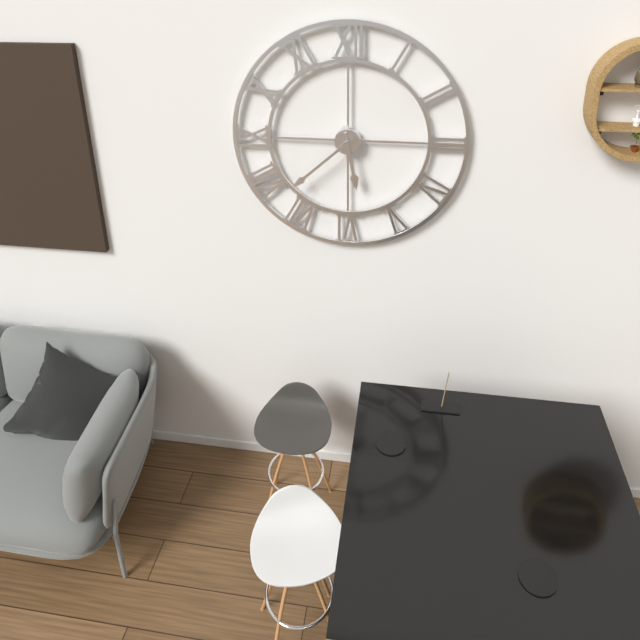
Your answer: 5 h 38 min
